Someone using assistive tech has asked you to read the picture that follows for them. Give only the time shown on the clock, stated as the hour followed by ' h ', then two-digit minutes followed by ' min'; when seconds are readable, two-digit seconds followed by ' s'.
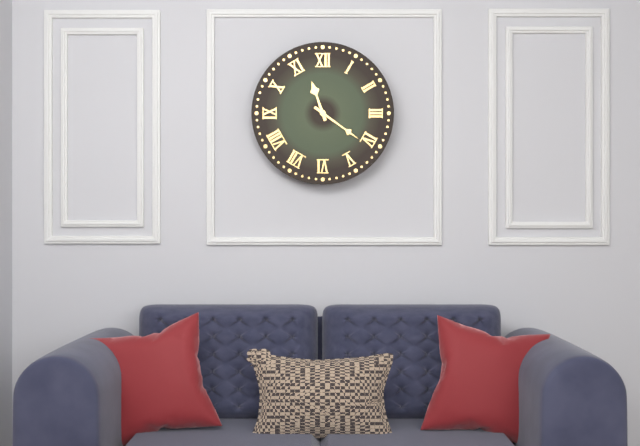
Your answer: 11 h 21 min
